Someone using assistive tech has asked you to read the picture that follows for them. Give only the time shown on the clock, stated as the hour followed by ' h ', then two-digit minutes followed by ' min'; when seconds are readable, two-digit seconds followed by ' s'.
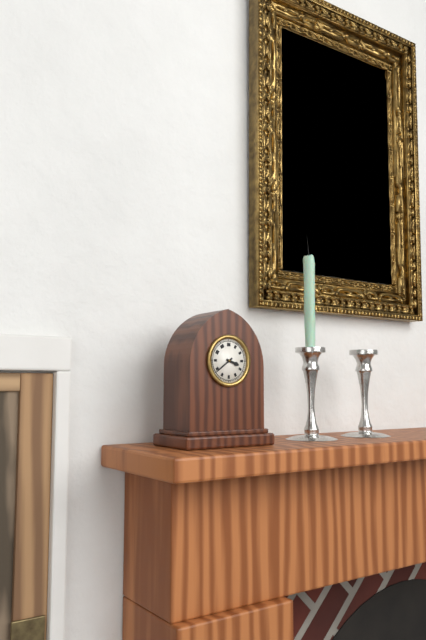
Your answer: 3 h 39 min
